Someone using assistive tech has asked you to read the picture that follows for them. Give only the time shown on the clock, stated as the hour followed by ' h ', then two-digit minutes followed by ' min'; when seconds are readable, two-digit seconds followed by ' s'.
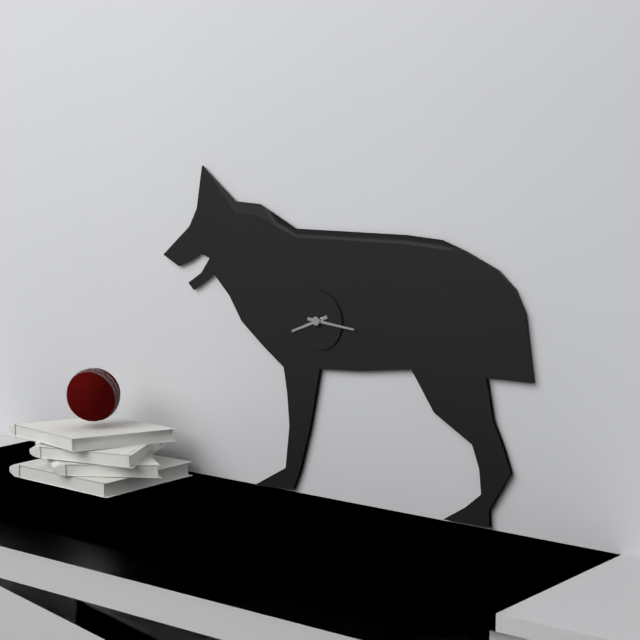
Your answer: 8 h 16 min
